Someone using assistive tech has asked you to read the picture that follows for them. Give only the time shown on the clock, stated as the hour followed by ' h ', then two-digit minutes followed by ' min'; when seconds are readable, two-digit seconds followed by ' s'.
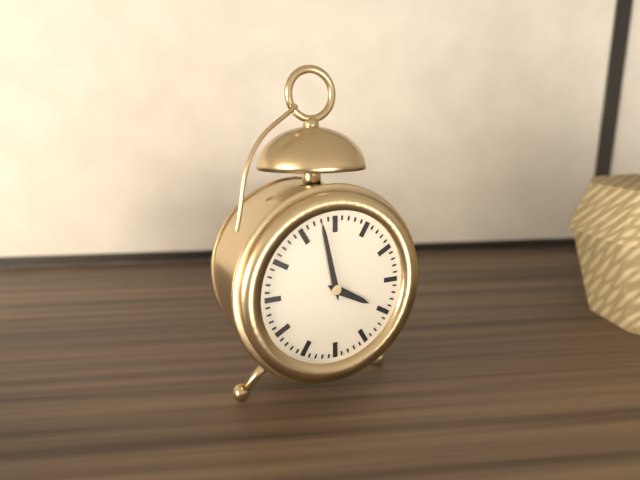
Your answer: 3 h 58 min
